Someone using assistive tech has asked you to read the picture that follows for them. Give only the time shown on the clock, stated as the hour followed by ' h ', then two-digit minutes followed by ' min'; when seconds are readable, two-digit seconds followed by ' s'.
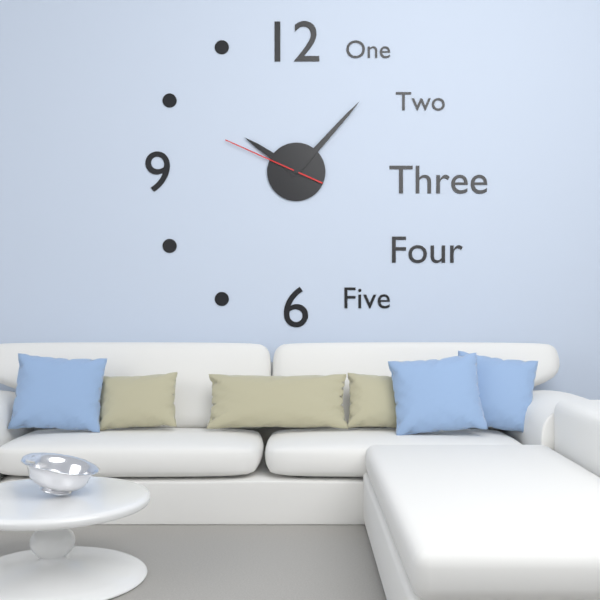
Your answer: 10 h 07 min 49 s
